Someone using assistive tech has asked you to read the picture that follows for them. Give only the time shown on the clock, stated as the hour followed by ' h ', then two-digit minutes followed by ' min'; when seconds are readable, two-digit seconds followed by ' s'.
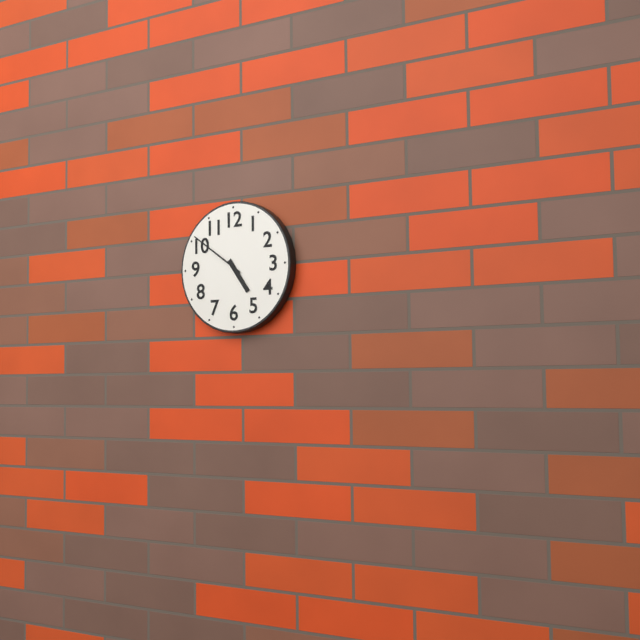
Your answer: 4 h 51 min
